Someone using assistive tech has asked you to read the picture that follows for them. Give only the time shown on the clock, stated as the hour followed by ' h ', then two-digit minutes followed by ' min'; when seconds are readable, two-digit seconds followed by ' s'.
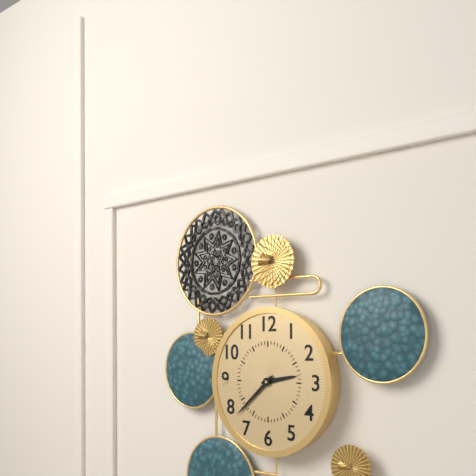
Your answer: 2 h 38 min
